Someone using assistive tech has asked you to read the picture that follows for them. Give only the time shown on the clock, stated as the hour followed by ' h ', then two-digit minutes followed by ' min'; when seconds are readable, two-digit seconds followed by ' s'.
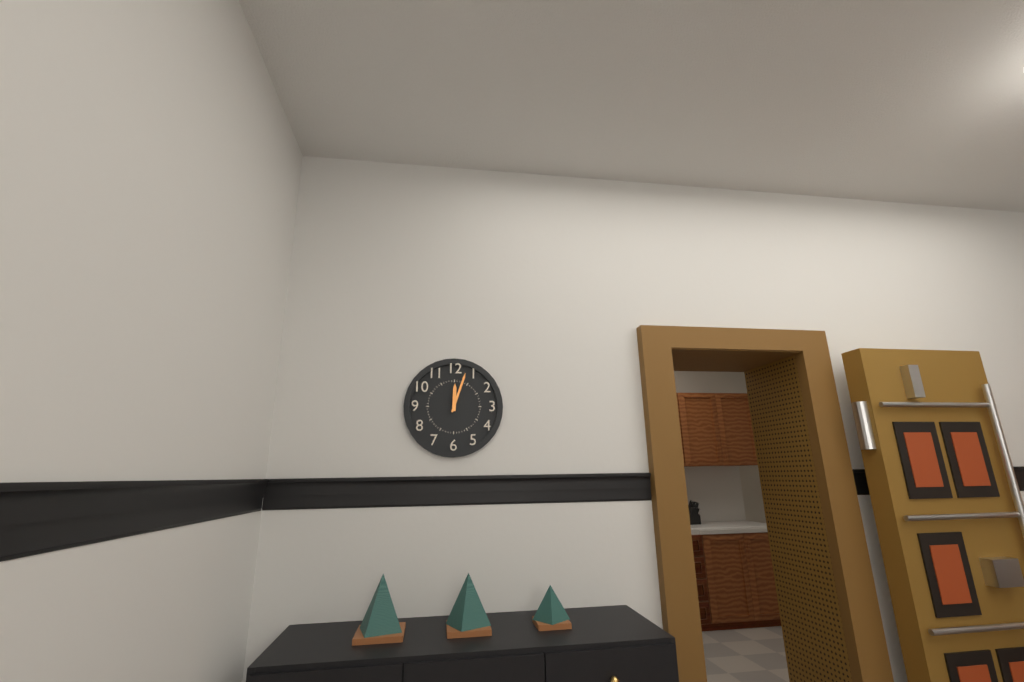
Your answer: 12 h 03 min
